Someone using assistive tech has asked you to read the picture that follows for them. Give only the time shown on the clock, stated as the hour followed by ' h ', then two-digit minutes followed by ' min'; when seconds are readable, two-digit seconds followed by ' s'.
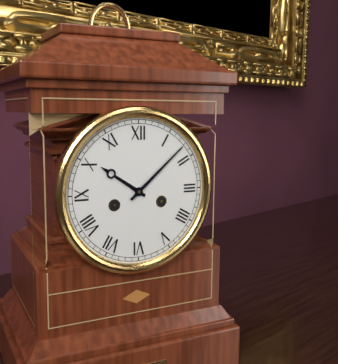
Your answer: 10 h 08 min
